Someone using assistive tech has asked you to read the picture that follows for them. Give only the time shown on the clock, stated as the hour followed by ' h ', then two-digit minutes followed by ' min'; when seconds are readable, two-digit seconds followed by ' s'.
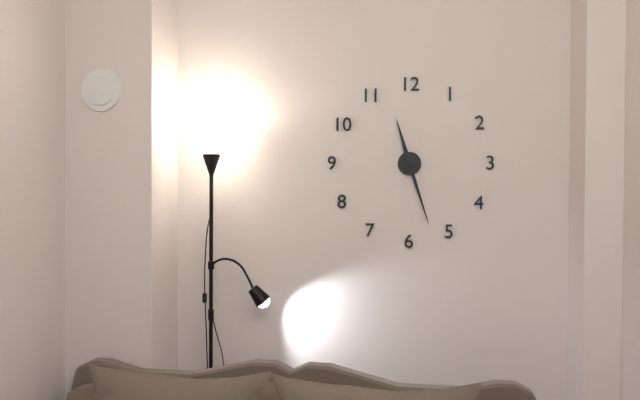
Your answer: 11 h 27 min
